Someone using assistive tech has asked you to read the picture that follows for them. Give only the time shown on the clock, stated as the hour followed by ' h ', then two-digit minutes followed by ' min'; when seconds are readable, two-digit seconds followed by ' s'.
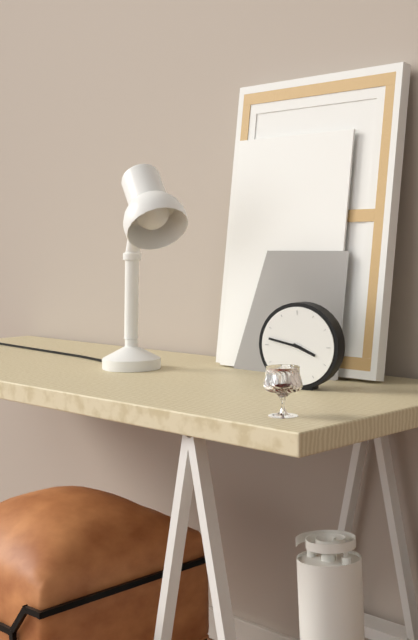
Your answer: 3 h 47 min
